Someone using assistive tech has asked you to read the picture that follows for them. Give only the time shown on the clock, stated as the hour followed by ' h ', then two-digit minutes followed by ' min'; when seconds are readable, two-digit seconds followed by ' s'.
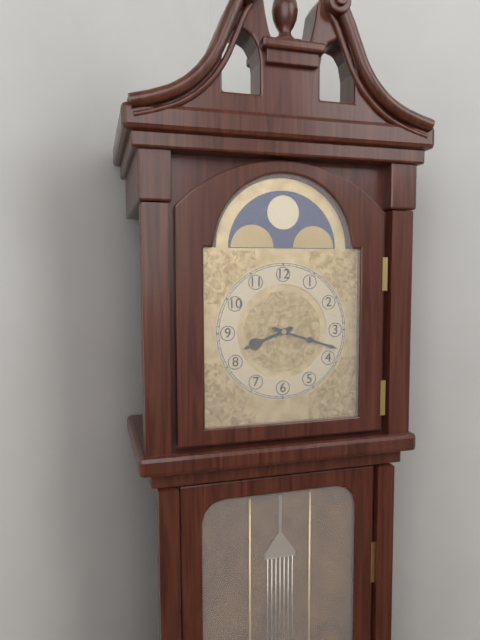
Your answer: 8 h 18 min
